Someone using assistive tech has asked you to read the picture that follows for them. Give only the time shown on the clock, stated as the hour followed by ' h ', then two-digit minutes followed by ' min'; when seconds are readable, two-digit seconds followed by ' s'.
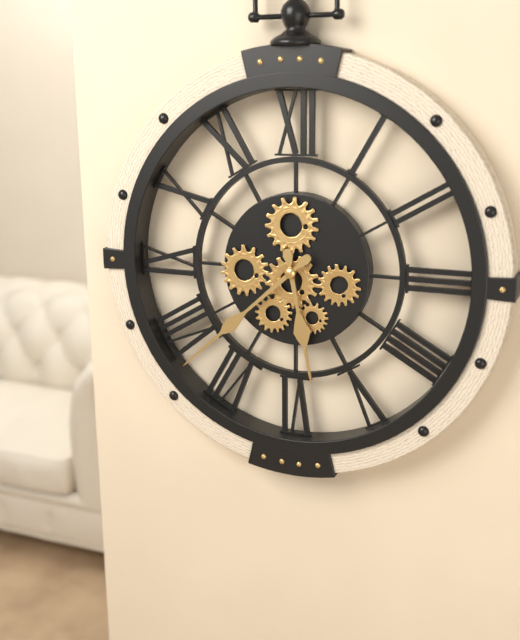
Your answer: 5 h 38 min
